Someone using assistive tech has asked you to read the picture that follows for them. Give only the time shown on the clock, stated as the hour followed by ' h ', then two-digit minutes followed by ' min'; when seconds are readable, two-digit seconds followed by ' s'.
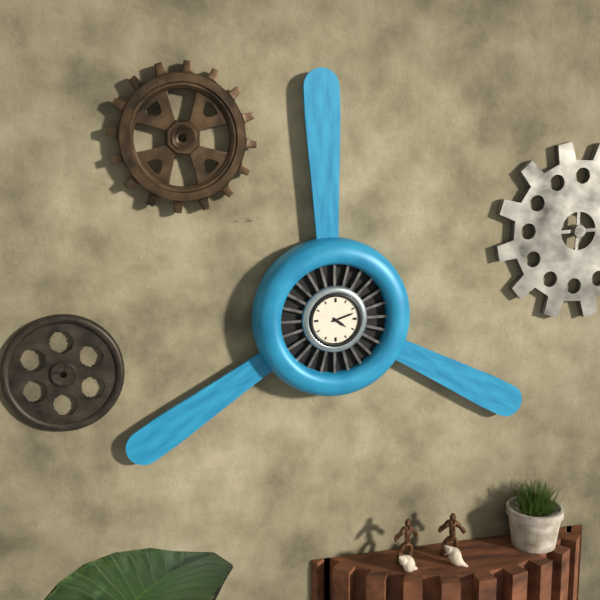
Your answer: 4 h 12 min
